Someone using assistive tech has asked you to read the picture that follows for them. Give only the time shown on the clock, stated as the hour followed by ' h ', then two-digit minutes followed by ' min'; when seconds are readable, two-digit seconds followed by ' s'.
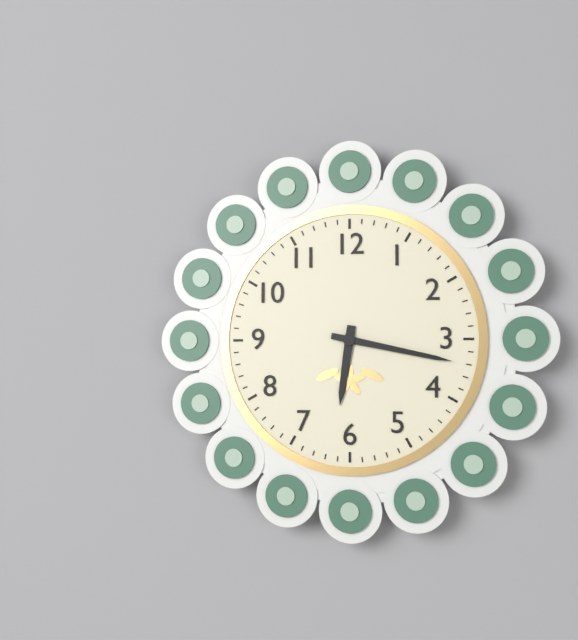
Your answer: 6 h 17 min
